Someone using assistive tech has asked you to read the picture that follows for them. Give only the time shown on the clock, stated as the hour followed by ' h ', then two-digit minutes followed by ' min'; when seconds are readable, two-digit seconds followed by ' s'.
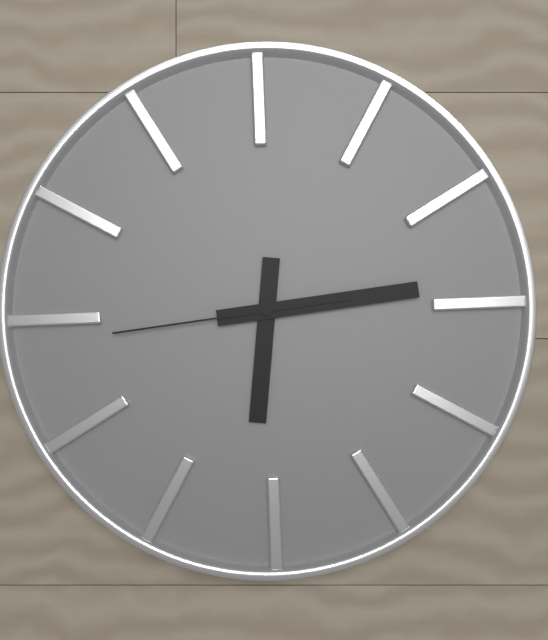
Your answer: 6 h 14 min 44 s
